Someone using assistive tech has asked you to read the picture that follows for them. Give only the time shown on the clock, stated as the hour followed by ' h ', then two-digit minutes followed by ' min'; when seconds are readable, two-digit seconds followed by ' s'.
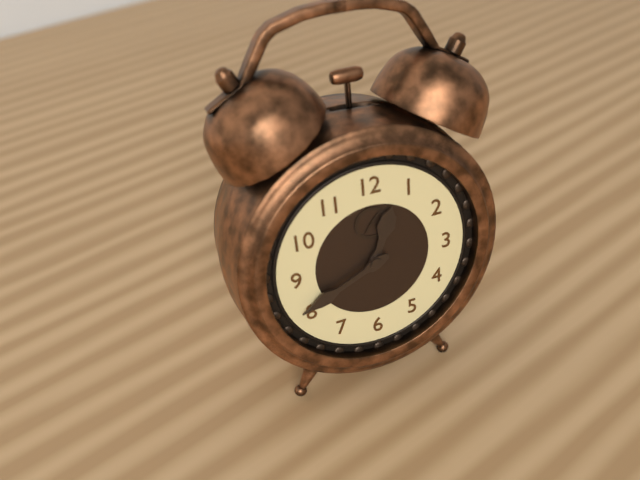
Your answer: 12 h 41 min
